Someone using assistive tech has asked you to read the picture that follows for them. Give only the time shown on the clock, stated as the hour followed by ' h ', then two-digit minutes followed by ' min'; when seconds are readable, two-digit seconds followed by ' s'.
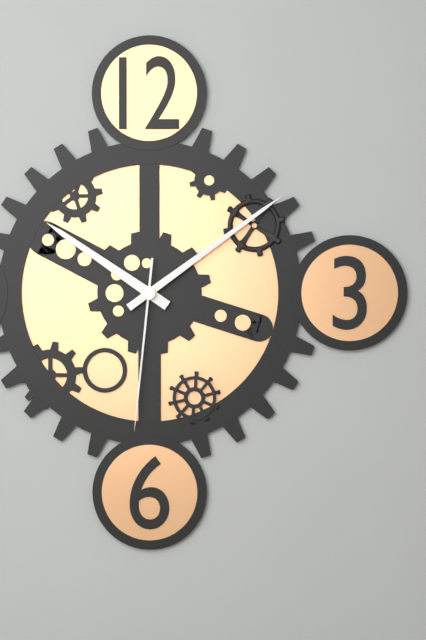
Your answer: 10 h 09 min 31 s
